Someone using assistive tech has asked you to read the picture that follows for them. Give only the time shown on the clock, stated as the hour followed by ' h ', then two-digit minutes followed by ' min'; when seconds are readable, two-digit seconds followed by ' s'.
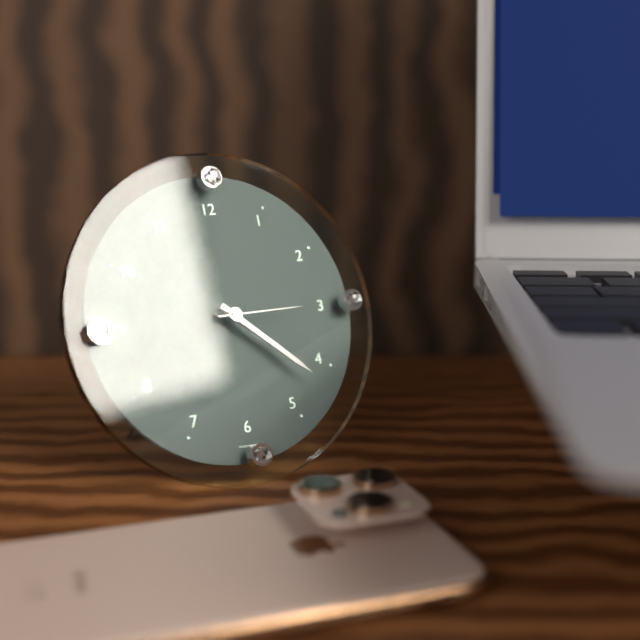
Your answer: 4 h 22 min 15 s
